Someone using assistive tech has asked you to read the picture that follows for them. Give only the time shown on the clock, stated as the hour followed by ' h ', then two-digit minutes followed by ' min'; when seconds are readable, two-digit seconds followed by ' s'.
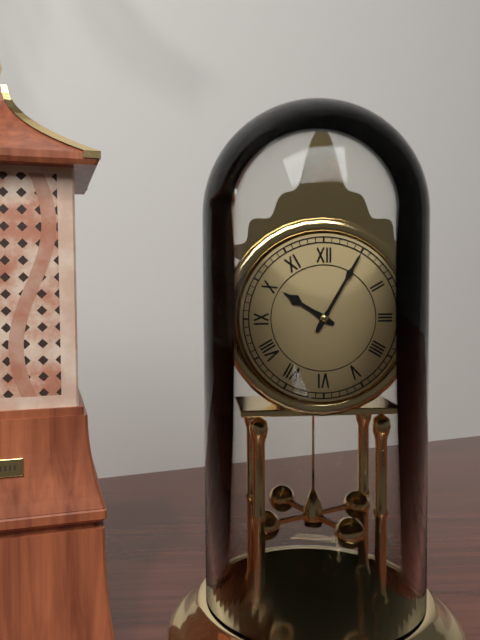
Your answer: 10 h 05 min
